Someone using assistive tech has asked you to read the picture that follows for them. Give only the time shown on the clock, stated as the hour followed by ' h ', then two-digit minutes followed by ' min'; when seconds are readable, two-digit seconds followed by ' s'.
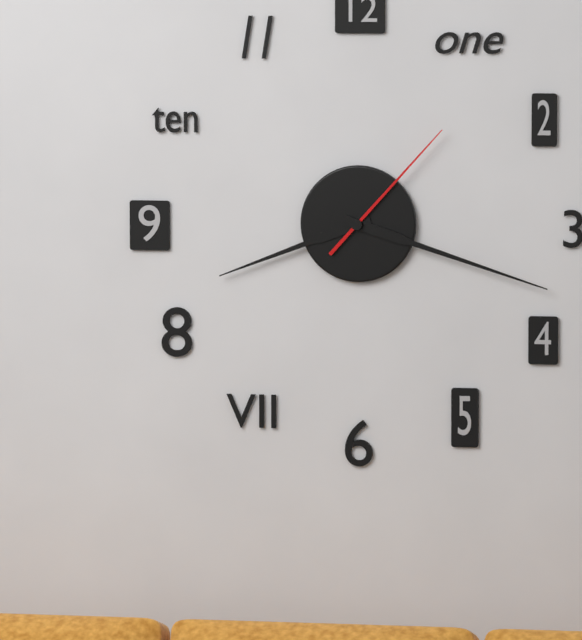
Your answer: 8 h 18 min 07 s
